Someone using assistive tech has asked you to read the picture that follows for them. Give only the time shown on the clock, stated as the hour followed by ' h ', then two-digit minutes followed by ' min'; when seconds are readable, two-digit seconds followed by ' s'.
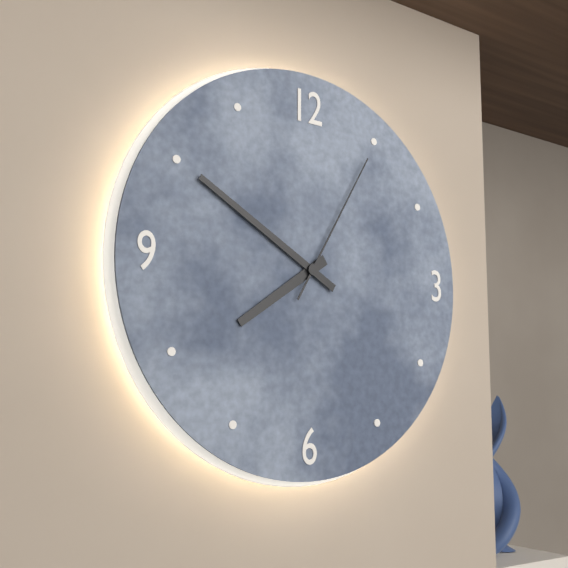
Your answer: 7 h 50 min 05 s
